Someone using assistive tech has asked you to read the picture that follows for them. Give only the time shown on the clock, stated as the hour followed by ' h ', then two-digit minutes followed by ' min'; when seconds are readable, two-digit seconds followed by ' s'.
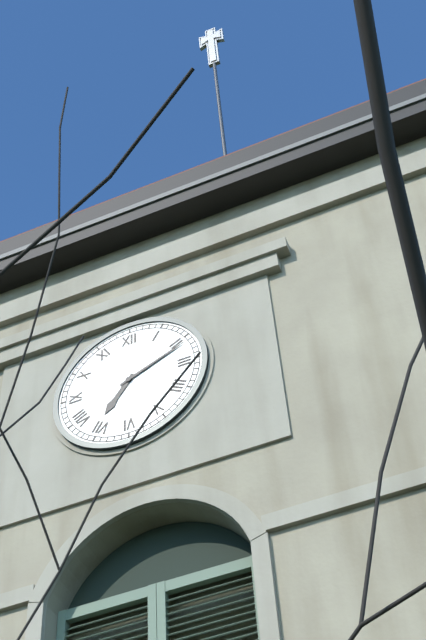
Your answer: 7 h 11 min
